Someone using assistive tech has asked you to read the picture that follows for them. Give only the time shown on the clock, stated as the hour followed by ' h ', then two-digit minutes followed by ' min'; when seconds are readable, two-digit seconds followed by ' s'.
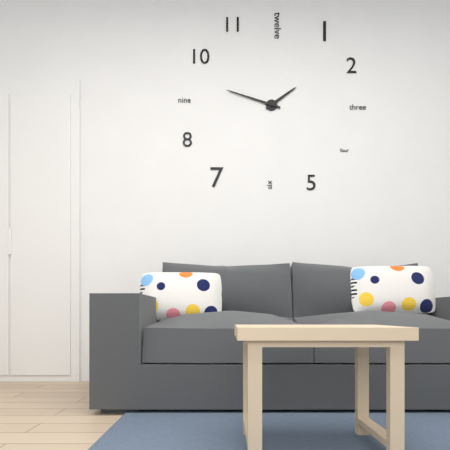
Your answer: 1 h 48 min
